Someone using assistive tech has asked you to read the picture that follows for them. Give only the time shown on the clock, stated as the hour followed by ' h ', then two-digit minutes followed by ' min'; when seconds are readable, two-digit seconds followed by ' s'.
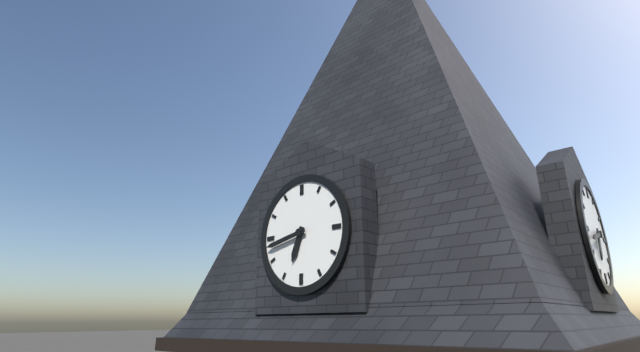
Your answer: 6 h 43 min
